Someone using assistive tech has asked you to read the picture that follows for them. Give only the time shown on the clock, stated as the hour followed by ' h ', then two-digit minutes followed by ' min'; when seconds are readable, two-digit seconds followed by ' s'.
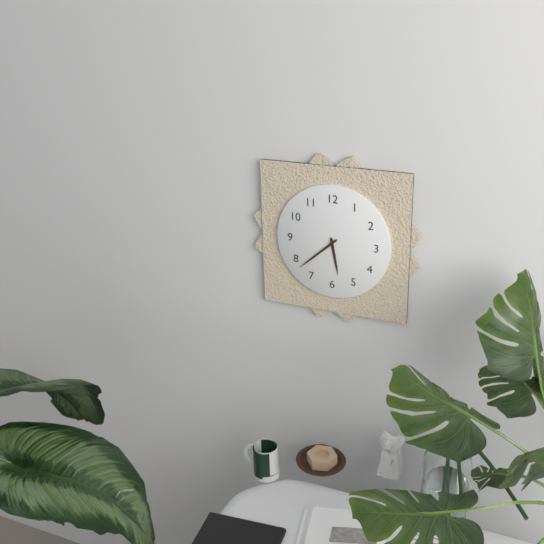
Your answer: 5 h 38 min
